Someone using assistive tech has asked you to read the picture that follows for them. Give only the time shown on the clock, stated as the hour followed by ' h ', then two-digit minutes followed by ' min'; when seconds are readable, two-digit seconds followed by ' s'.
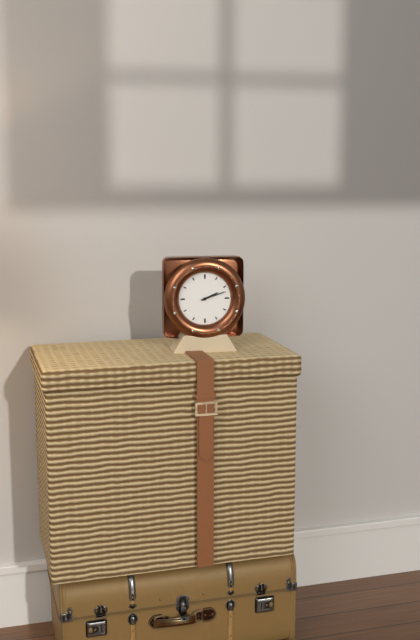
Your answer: 2 h 12 min
